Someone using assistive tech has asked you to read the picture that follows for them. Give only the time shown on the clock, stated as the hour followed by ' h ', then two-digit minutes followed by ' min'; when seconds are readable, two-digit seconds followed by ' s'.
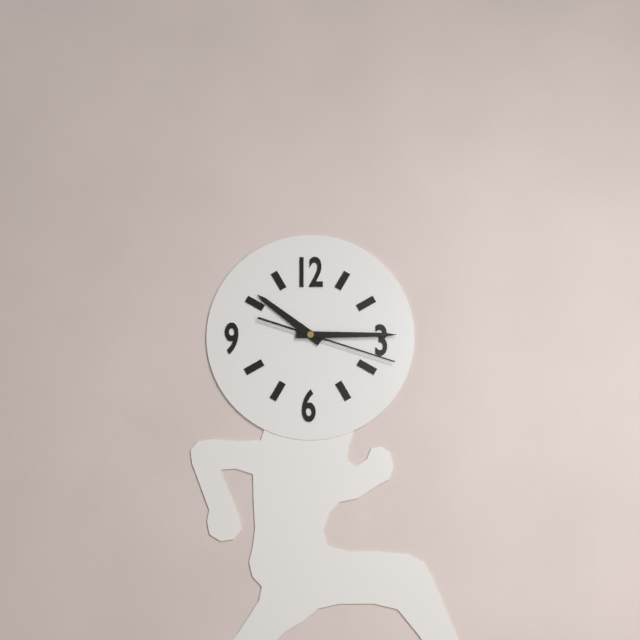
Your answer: 10 h 15 min 18 s
